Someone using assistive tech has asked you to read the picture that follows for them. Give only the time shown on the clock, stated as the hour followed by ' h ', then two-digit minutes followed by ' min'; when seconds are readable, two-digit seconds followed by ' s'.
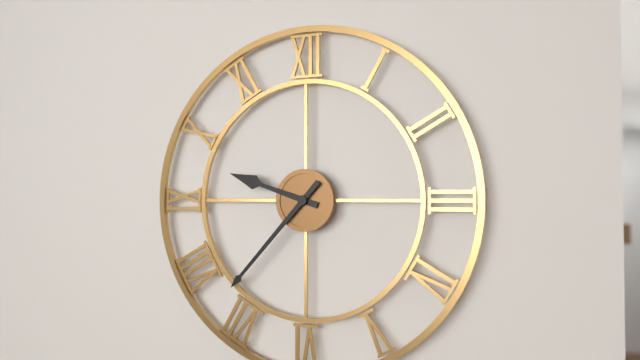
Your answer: 9 h 37 min
